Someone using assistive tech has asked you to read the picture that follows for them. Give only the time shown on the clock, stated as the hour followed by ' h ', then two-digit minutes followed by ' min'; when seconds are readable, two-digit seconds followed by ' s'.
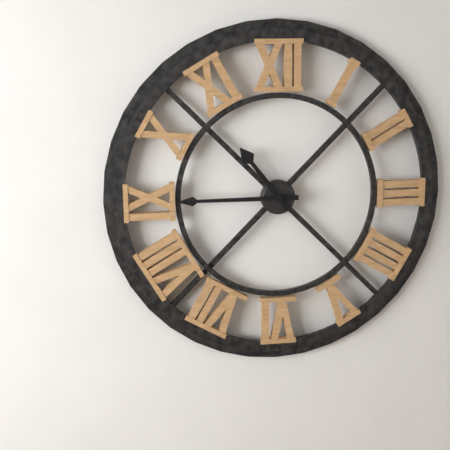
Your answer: 10 h 45 min
